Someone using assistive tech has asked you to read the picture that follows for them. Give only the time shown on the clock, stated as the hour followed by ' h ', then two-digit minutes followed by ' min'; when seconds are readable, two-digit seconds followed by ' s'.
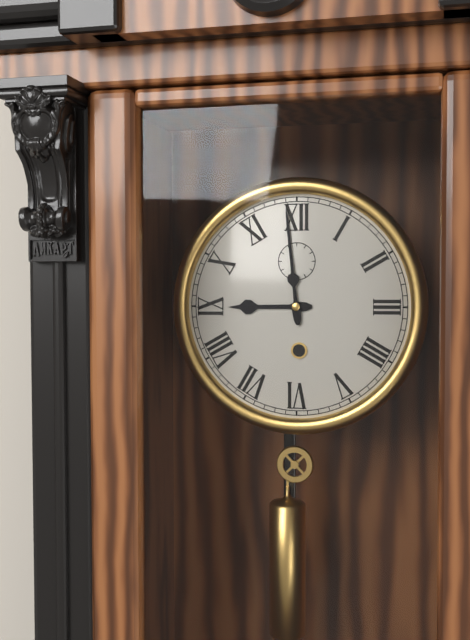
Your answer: 8 h 59 min
